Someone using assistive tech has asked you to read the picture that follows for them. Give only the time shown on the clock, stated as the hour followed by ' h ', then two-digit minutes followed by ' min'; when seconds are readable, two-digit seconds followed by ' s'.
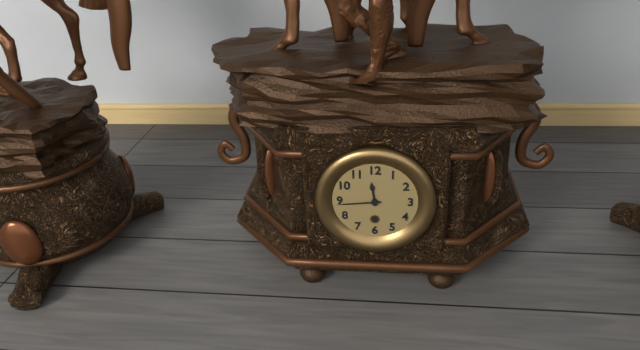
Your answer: 11 h 44 min
